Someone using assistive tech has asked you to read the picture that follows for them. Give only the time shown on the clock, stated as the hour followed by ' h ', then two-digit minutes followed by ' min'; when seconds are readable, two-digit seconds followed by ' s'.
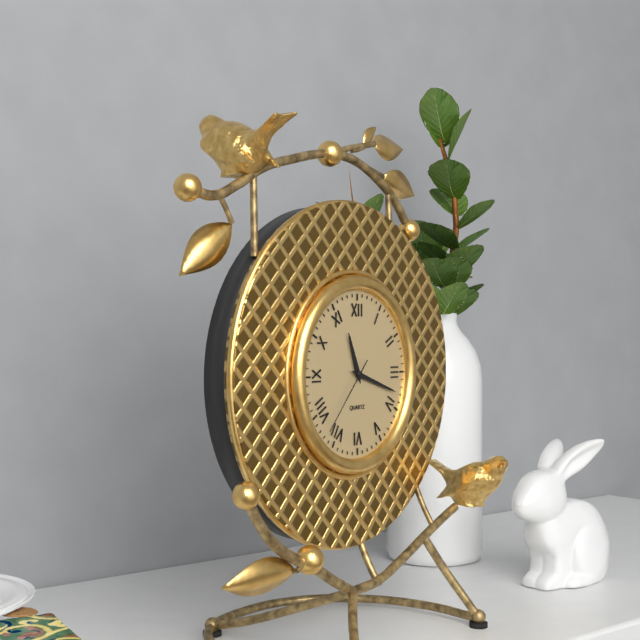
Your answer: 11 h 18 min 37 s
